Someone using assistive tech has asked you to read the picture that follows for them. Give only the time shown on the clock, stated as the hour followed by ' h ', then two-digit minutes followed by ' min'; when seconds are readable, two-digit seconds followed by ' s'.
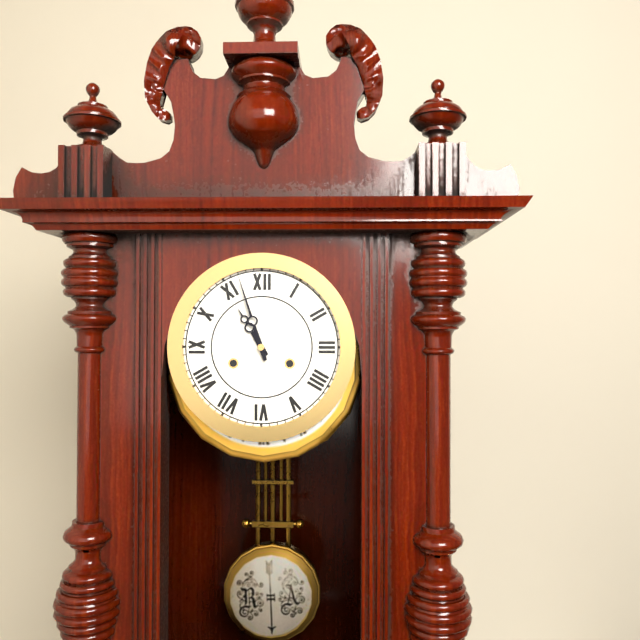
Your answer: 10 h 57 min
